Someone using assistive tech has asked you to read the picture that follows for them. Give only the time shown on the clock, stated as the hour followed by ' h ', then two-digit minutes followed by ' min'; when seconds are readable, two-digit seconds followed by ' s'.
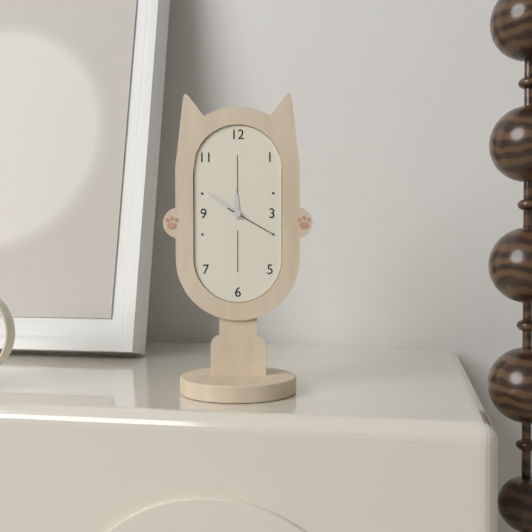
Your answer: 11 h 51 min 20 s
